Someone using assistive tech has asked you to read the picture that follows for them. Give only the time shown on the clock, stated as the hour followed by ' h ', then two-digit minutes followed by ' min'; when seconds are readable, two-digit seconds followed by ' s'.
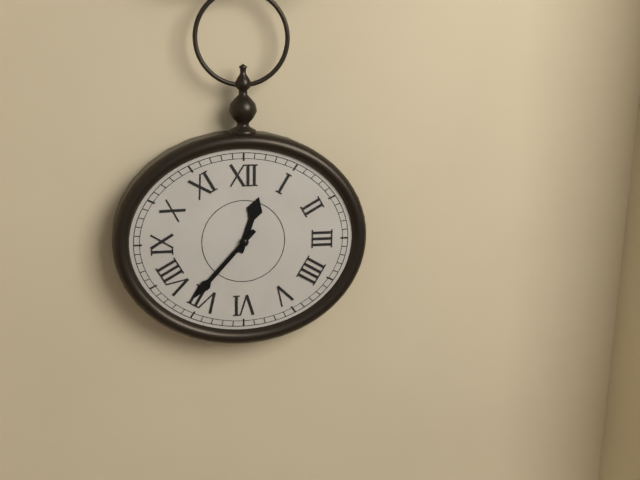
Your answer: 12 h 37 min
